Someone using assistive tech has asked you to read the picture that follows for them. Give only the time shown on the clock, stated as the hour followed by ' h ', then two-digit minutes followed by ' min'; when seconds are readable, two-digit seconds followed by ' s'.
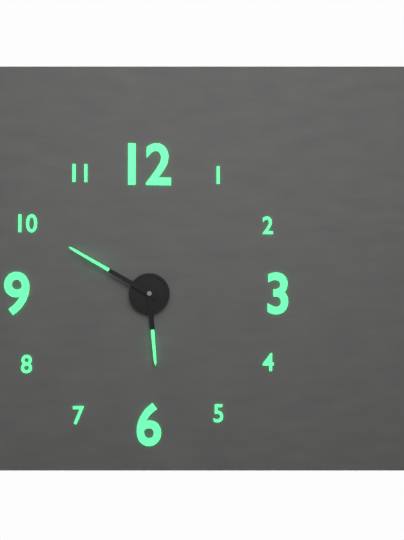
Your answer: 5 h 50 min
